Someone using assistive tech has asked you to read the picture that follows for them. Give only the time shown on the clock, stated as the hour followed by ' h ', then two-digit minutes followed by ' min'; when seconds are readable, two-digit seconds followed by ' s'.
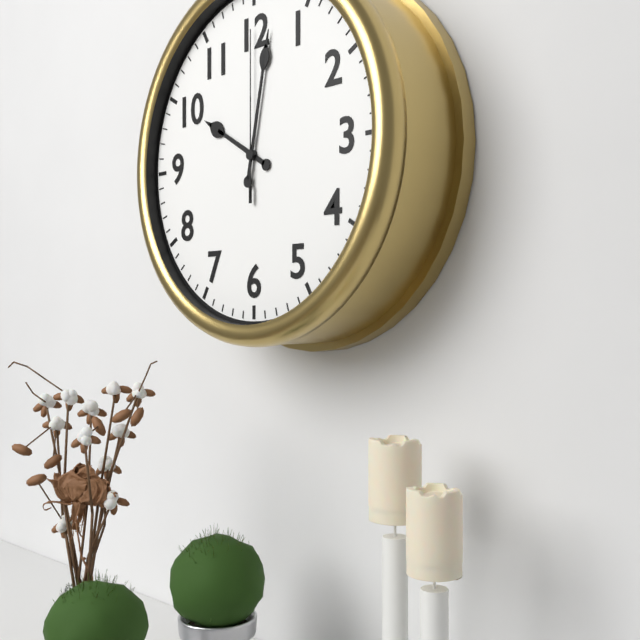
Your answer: 10 h 02 min 00 s
